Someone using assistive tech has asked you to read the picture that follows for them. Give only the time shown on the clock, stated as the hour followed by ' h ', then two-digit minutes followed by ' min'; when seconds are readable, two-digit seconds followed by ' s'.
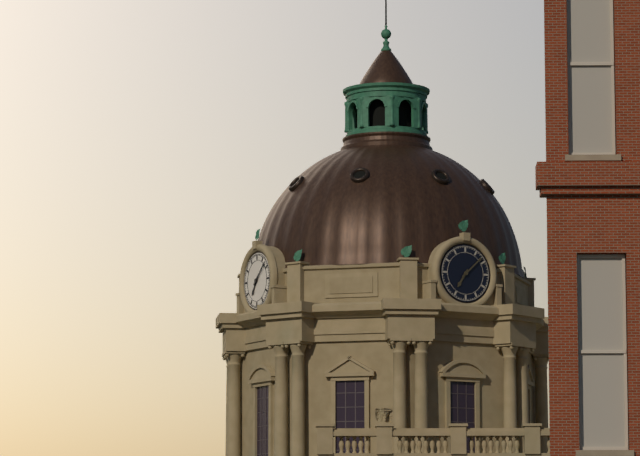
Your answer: 7 h 08 min
